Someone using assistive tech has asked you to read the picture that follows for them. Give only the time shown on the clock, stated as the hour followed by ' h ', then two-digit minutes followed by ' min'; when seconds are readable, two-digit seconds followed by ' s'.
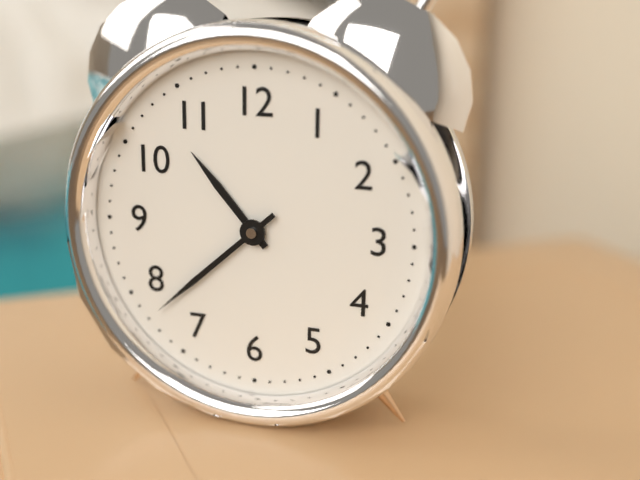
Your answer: 10 h 38 min
